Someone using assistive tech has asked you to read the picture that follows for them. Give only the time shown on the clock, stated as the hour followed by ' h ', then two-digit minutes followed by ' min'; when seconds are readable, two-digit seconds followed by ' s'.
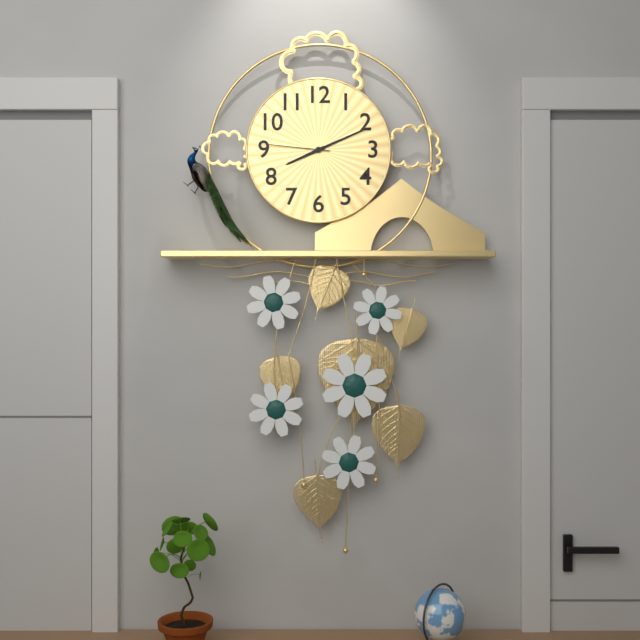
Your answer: 8 h 11 min 46 s
